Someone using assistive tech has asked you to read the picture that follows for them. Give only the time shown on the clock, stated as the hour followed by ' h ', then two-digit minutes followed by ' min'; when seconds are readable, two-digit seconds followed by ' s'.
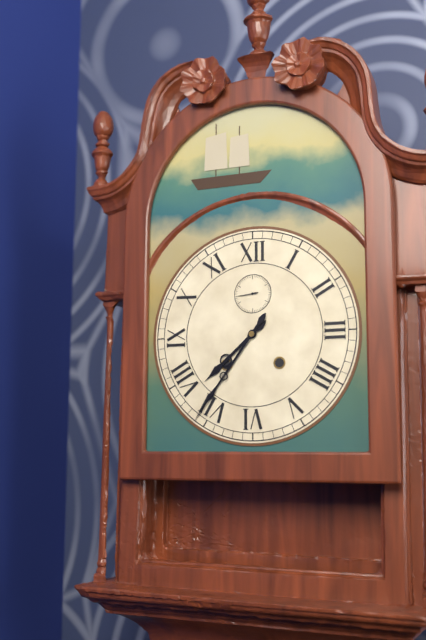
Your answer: 7 h 36 min
